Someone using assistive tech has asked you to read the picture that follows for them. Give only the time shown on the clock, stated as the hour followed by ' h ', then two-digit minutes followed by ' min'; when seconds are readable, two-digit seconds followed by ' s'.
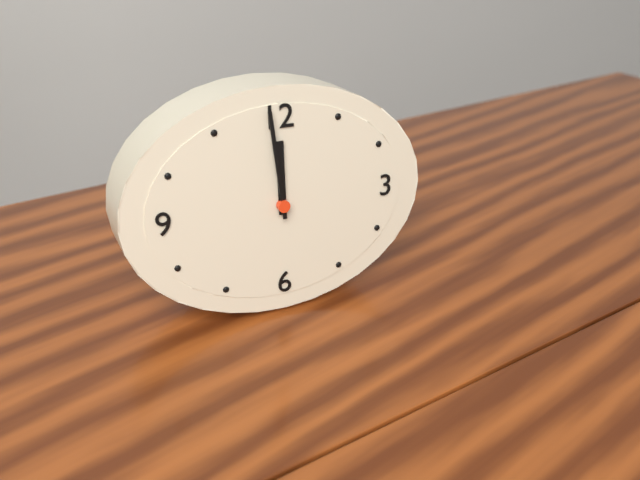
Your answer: 11 h 59 min
